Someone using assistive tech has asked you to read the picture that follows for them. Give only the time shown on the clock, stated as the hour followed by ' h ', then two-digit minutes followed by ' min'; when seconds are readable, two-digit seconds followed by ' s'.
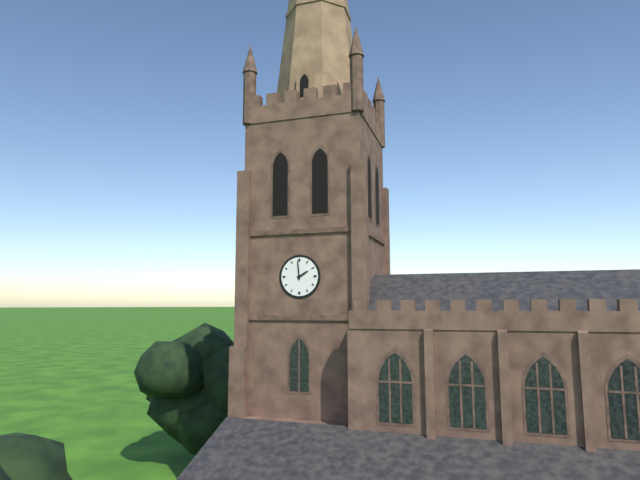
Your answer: 1 h 59 min
